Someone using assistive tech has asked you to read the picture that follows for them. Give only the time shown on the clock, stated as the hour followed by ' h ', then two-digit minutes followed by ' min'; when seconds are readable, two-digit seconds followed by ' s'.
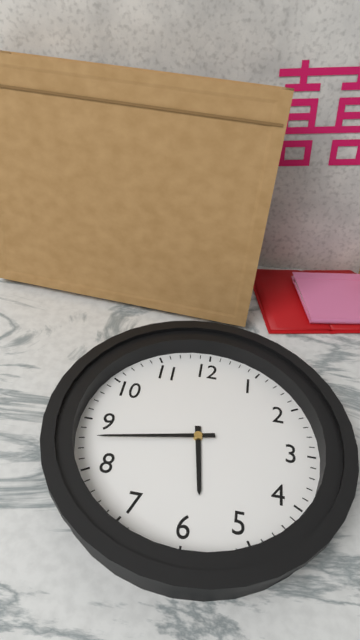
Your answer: 5 h 43 min
